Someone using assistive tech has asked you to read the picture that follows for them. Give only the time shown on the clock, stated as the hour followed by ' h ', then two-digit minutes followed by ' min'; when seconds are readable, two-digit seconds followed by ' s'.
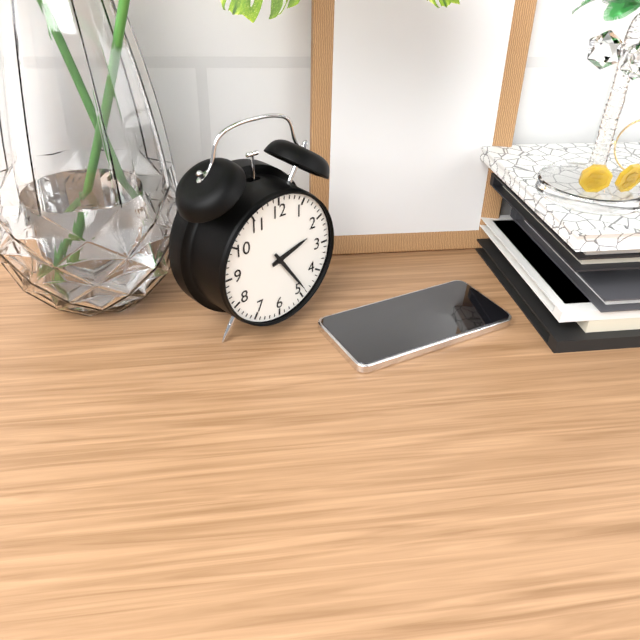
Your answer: 2 h 24 min
